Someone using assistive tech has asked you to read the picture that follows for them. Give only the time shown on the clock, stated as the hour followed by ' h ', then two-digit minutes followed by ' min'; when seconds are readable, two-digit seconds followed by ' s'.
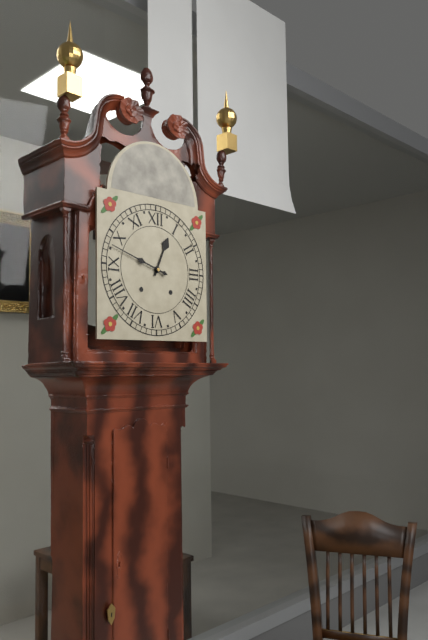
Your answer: 12 h 48 min
